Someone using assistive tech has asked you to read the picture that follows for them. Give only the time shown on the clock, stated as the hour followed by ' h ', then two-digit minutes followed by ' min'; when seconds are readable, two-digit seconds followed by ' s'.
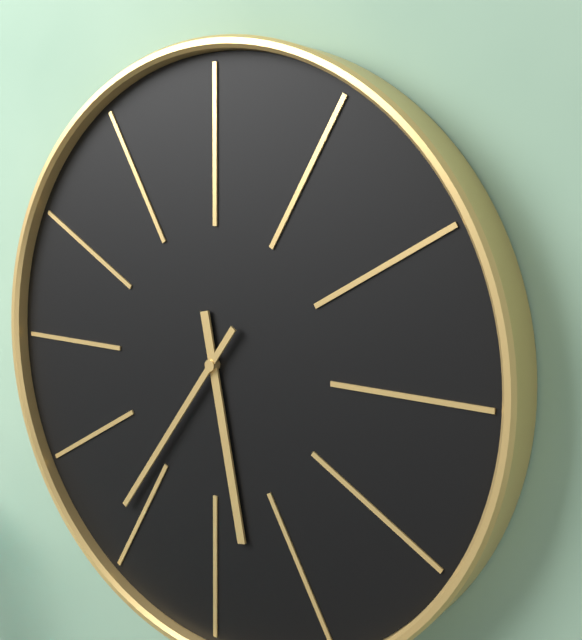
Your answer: 5 h 36 min
